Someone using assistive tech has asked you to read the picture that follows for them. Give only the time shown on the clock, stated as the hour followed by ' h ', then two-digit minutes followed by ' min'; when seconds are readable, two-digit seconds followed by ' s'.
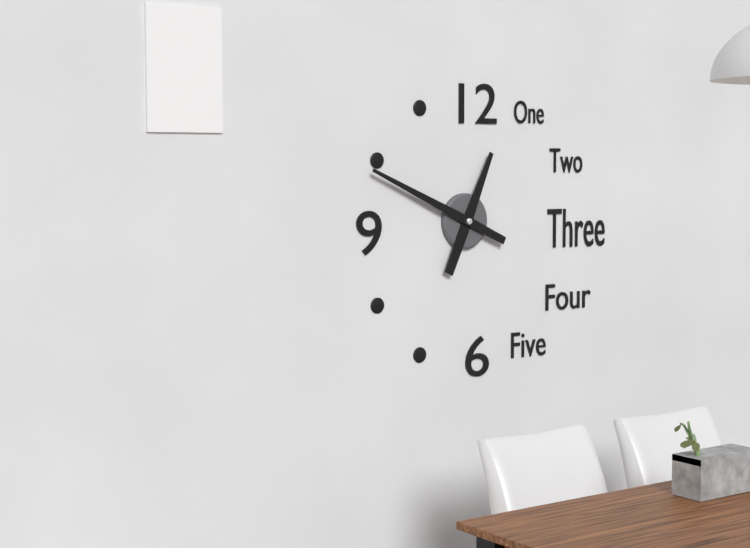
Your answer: 12 h 49 min
